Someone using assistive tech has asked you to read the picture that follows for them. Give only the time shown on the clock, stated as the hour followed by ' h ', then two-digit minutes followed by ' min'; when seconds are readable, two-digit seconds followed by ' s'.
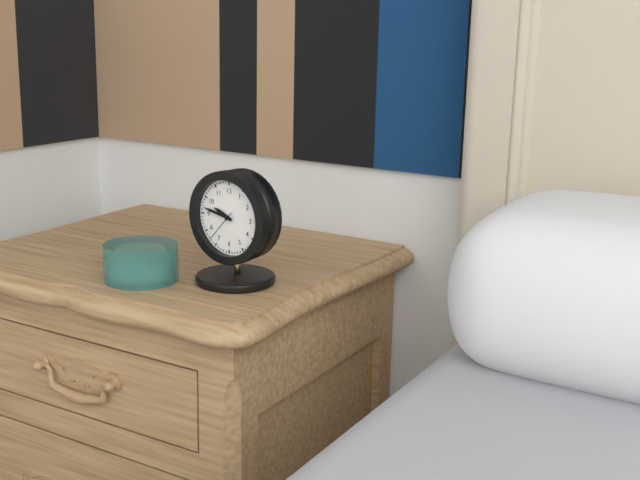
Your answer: 9 h 47 min
